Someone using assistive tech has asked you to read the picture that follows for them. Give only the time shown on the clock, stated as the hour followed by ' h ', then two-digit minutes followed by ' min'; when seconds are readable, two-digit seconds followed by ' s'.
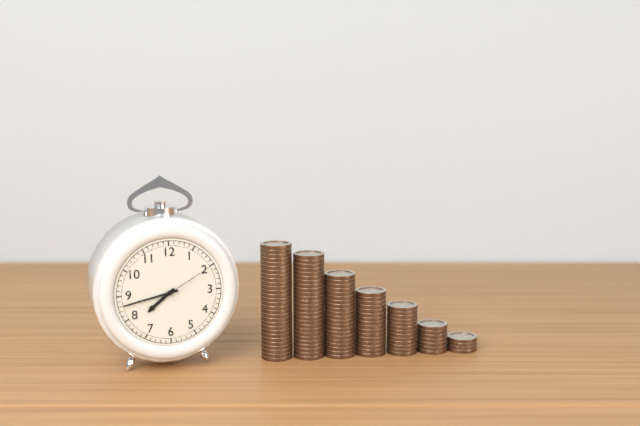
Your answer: 7 h 43 min 10 s
